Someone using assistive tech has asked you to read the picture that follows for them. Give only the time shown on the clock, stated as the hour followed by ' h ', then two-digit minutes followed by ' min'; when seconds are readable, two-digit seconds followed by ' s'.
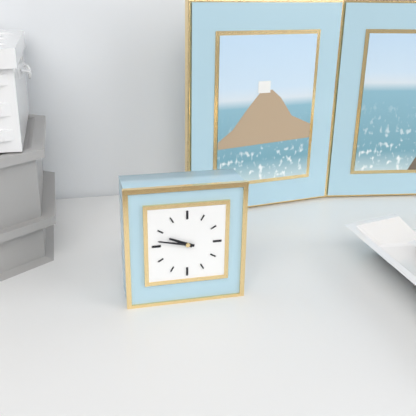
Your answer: 9 h 47 min
